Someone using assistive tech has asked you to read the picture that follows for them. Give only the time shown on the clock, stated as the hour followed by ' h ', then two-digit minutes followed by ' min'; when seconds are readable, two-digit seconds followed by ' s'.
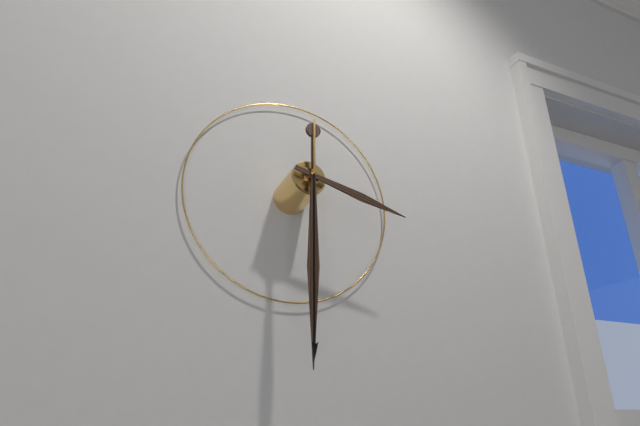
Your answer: 3 h 30 min 30 s
